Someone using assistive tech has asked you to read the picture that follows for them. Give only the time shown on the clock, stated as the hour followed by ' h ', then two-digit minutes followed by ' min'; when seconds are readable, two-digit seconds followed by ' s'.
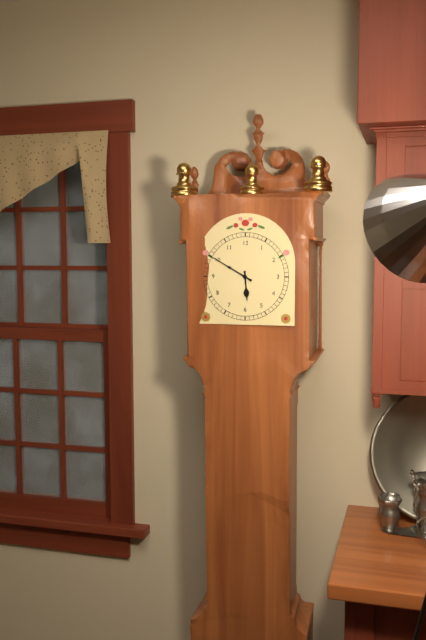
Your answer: 5 h 50 min
